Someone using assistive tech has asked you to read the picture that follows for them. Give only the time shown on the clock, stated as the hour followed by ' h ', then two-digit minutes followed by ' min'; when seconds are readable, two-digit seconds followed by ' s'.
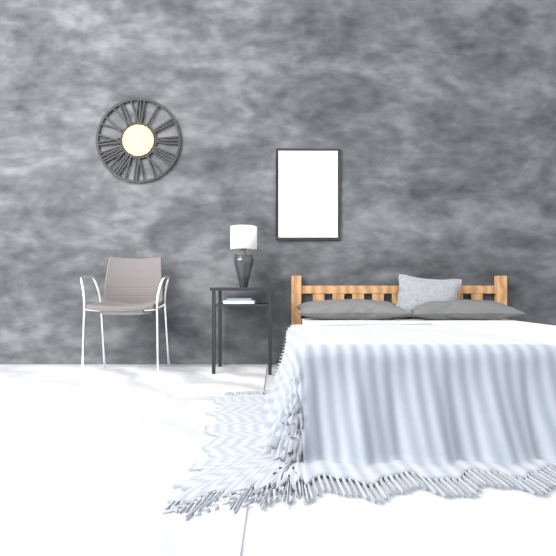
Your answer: 4 h 55 min
